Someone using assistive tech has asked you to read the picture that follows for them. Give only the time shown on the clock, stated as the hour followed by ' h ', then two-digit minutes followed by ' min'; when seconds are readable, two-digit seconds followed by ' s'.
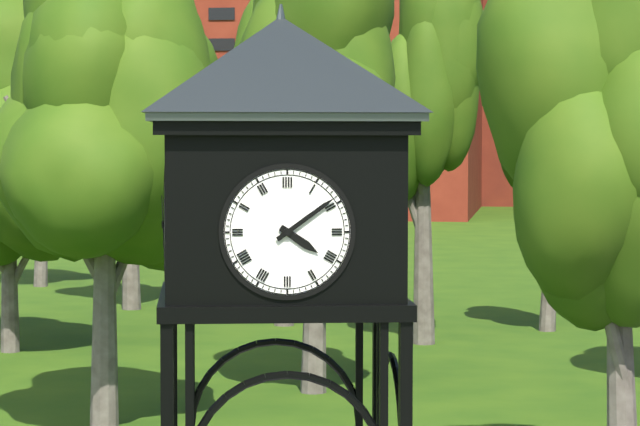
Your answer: 4 h 09 min
